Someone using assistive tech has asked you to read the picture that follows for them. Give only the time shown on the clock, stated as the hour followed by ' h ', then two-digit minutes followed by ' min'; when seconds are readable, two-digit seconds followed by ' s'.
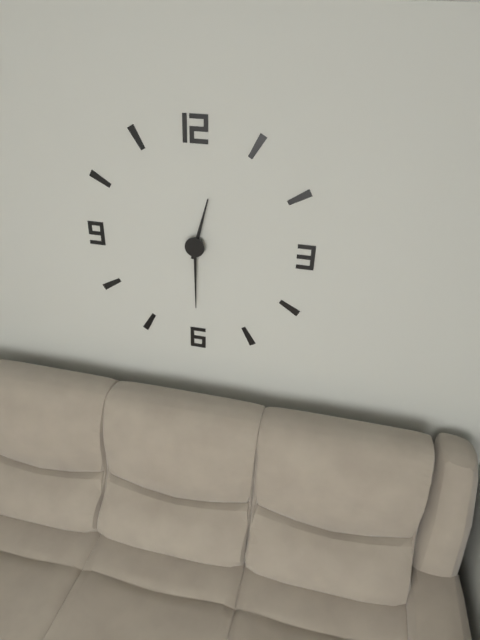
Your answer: 12 h 30 min
